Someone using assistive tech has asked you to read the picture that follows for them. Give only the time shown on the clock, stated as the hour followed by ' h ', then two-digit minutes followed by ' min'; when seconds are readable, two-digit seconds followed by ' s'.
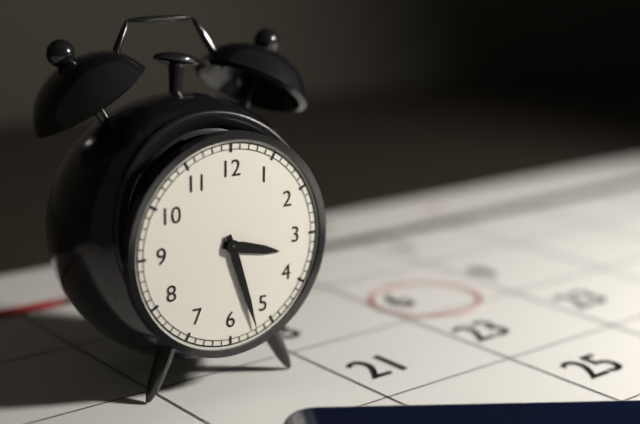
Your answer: 3 h 27 min
